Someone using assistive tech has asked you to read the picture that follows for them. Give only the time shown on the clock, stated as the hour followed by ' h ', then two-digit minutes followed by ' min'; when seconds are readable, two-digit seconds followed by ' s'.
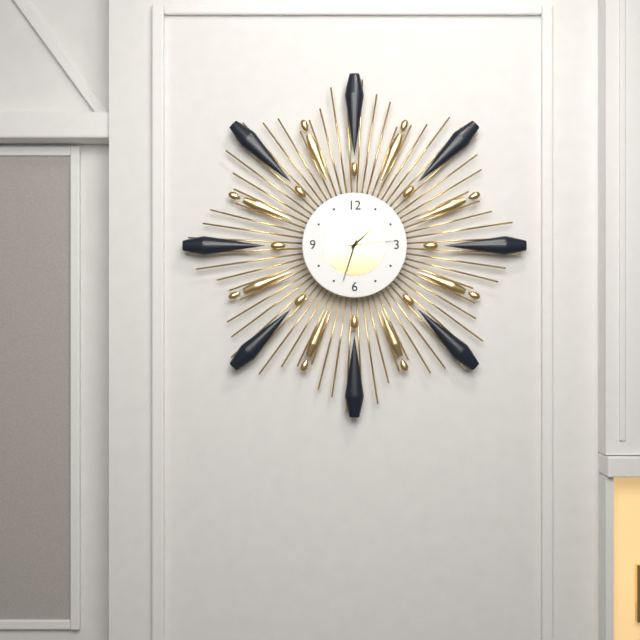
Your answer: 1 h 33 min 14 s
